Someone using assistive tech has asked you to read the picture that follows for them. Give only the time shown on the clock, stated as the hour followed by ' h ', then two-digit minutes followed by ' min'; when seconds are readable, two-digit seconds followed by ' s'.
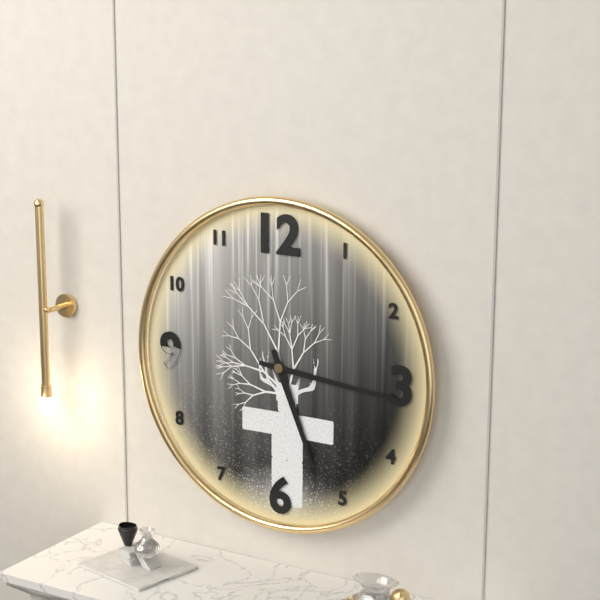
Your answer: 5 h 16 min
